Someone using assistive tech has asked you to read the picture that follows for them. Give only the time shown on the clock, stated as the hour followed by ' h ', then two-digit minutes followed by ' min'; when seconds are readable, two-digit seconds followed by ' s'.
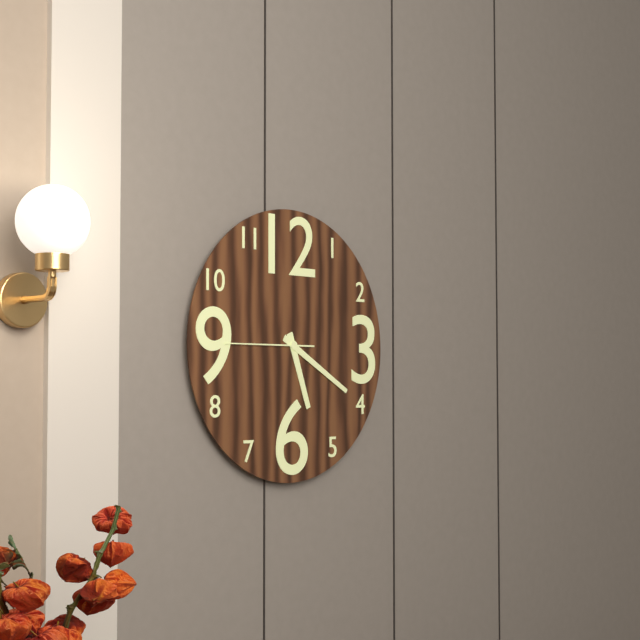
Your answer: 5 h 20 min 45 s
